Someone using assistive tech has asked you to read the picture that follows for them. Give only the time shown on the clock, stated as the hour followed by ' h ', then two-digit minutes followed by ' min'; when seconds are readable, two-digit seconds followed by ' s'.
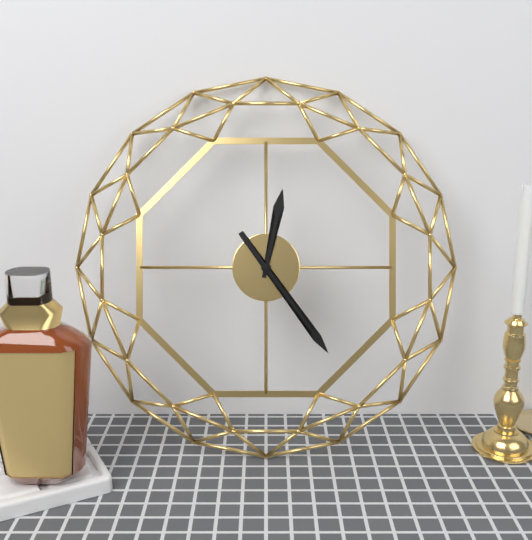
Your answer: 12 h 24 min
